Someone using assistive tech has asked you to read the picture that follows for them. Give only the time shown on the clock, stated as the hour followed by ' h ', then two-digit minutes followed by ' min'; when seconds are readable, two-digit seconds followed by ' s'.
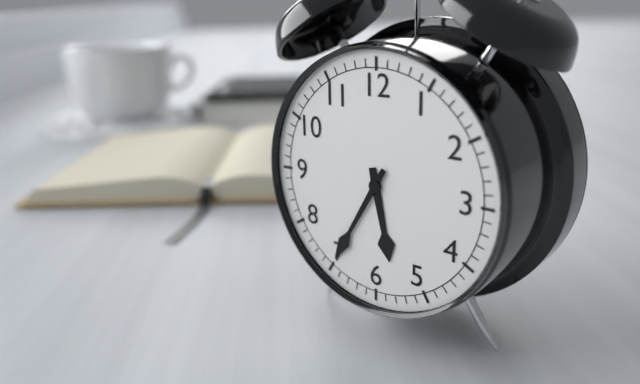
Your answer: 5 h 35 min
